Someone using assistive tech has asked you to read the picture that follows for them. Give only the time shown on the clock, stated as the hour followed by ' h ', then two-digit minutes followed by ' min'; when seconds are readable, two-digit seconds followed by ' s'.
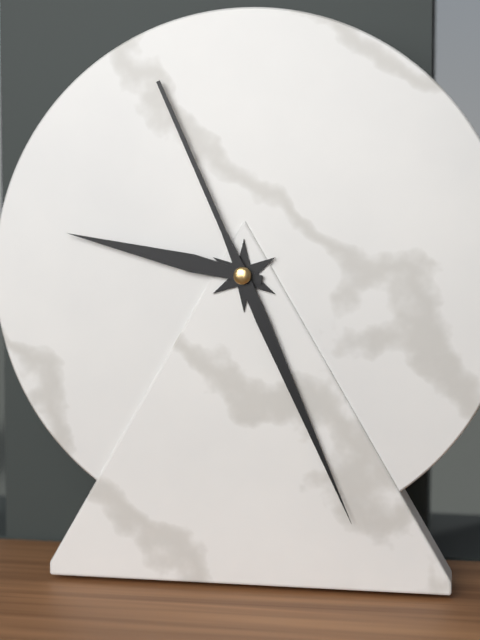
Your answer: 9 h 26 min
